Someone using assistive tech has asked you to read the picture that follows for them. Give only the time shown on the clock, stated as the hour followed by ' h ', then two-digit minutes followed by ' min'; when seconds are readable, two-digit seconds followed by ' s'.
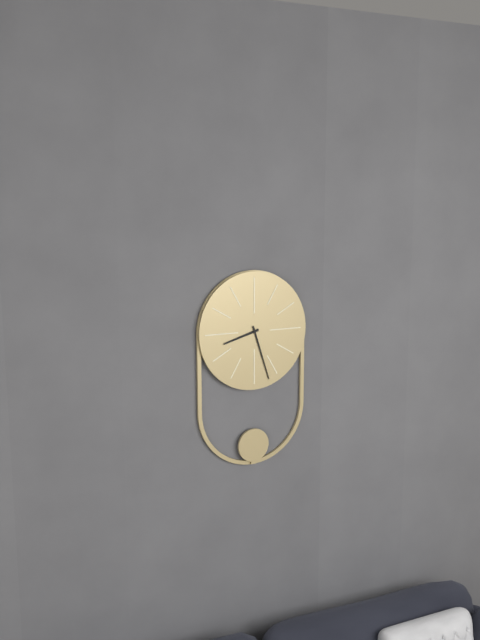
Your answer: 8 h 27 min
